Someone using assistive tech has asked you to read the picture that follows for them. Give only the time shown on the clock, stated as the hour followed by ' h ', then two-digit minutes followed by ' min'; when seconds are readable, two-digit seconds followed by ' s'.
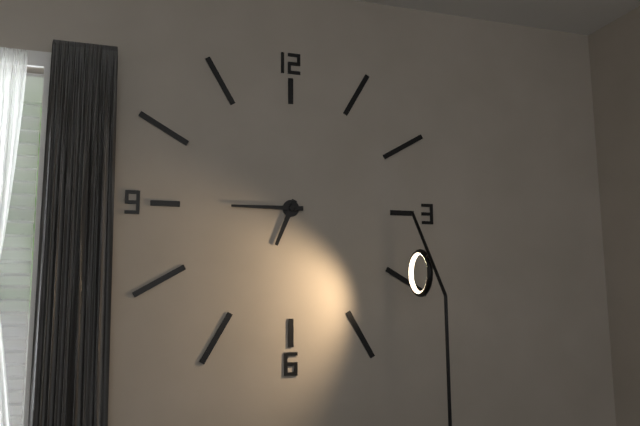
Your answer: 6 h 45 min
